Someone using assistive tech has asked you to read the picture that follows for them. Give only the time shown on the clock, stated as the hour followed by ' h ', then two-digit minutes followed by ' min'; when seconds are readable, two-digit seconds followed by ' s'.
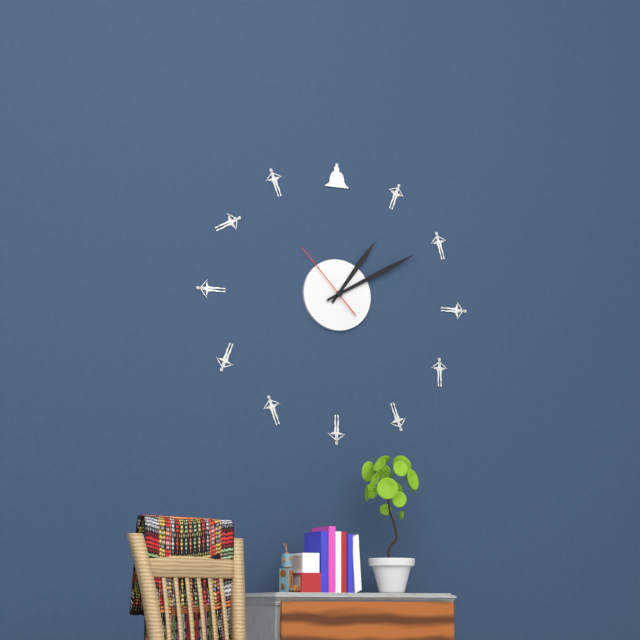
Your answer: 1 h 10 min 53 s
